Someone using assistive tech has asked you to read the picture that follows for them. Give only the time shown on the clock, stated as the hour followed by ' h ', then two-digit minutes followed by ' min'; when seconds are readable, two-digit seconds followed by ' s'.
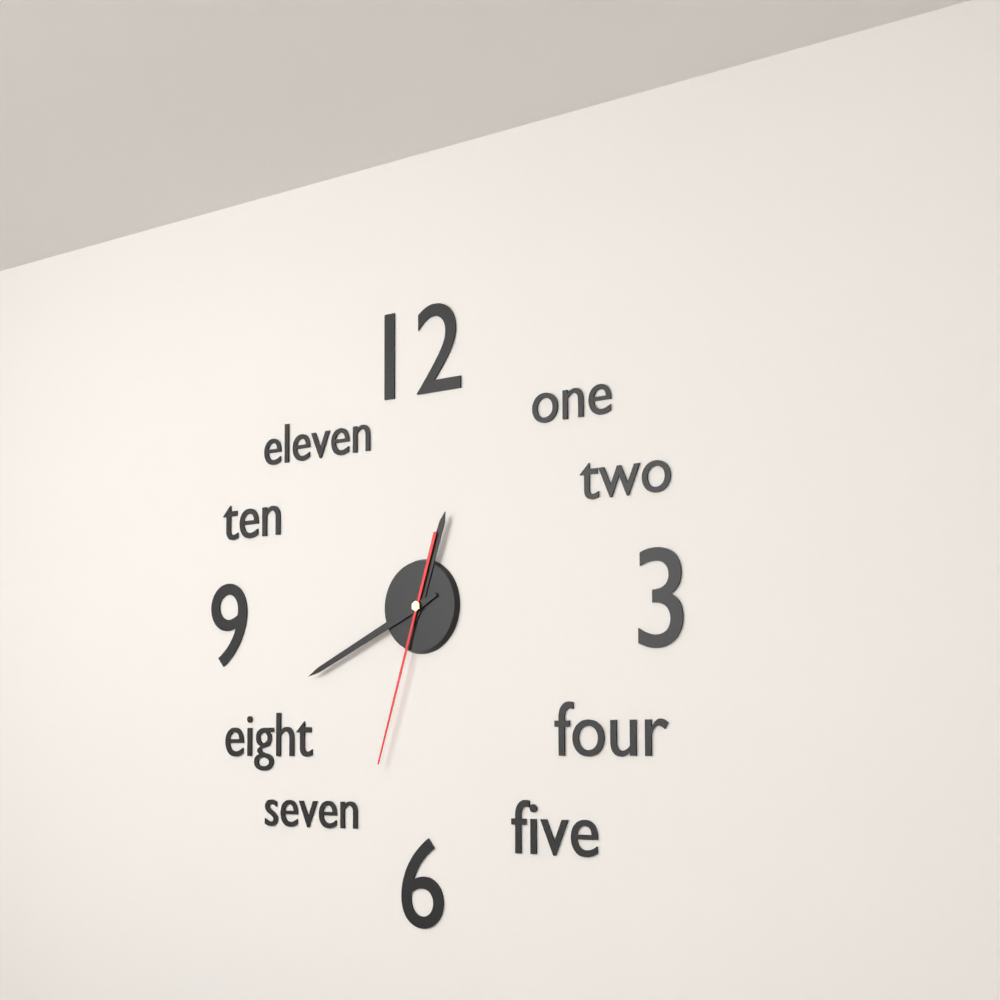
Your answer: 12 h 41 min 33 s
